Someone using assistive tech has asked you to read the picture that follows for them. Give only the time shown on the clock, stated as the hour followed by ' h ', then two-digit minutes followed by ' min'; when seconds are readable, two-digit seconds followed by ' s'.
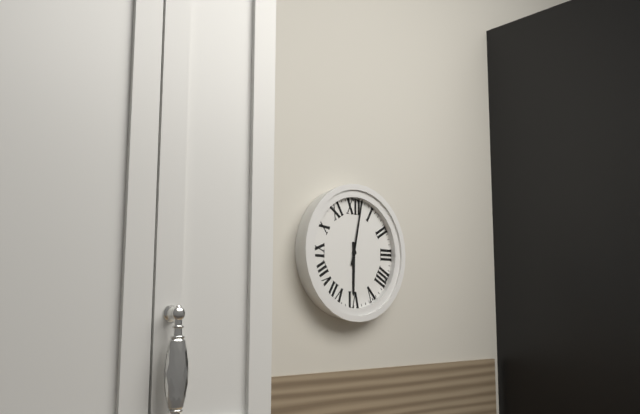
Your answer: 6 h 02 min
